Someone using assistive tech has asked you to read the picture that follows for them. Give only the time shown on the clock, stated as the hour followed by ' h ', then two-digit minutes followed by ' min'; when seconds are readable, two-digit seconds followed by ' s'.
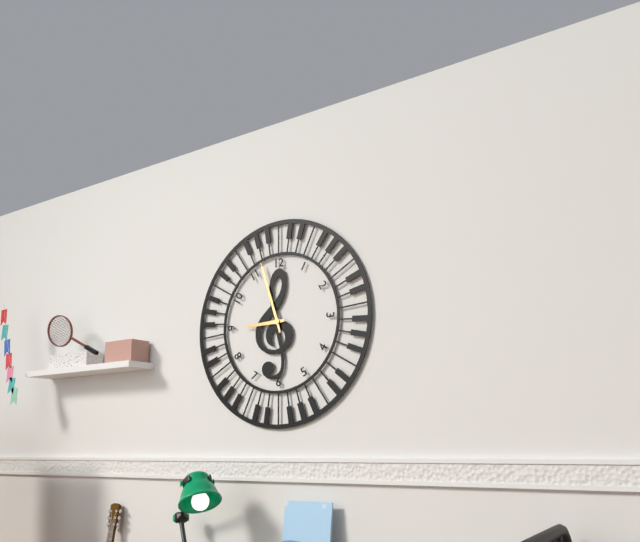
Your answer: 8 h 57 min
